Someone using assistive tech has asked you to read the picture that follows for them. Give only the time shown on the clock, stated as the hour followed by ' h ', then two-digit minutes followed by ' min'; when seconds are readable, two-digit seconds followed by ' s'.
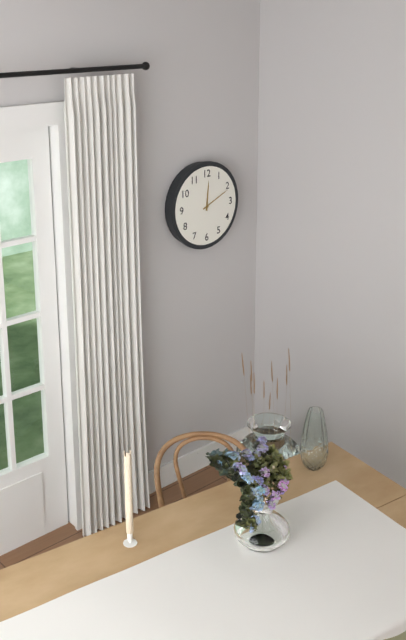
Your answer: 12 h 11 min
